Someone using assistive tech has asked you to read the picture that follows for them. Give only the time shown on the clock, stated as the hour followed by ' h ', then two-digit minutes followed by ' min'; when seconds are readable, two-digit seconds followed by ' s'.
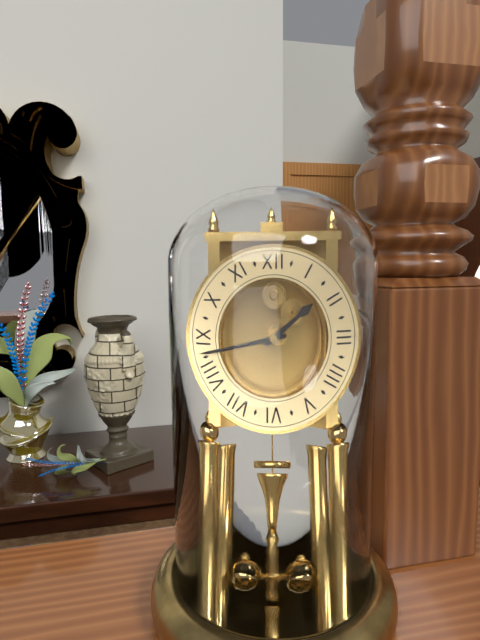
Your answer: 1 h 43 min
